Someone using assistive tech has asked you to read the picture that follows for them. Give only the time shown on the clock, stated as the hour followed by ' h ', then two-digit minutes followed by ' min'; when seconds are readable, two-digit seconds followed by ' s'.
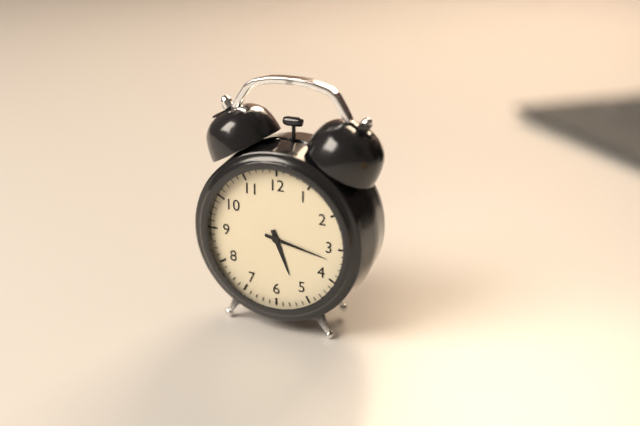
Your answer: 5 h 17 min
